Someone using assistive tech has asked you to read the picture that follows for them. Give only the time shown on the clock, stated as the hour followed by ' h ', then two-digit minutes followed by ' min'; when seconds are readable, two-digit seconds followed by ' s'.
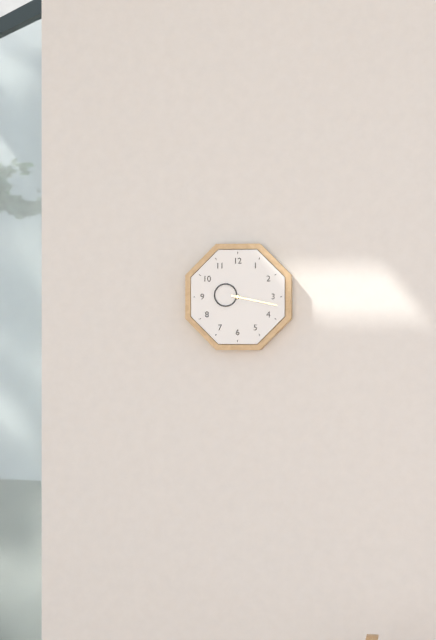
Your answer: 9 h 17 min
